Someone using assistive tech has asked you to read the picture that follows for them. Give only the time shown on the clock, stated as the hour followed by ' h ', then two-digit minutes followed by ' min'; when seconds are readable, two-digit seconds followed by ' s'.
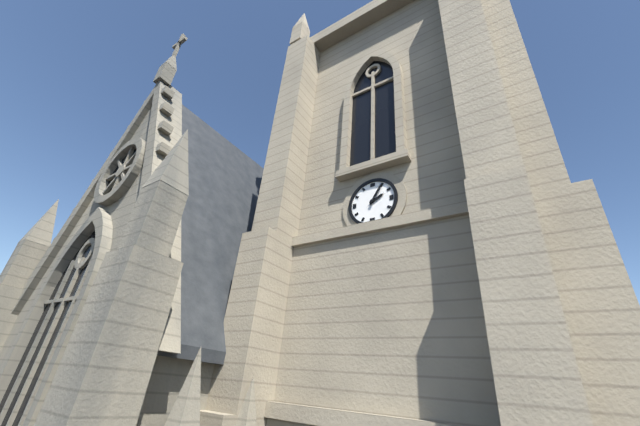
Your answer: 2 h 05 min
